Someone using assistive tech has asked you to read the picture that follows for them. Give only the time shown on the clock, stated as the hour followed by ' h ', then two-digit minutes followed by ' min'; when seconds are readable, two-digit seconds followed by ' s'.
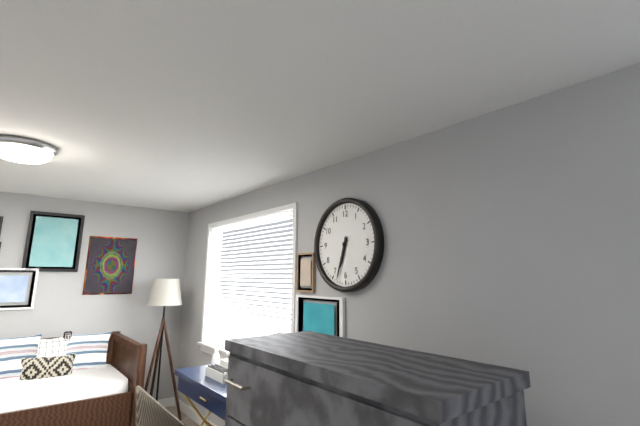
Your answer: 6 h 33 min
